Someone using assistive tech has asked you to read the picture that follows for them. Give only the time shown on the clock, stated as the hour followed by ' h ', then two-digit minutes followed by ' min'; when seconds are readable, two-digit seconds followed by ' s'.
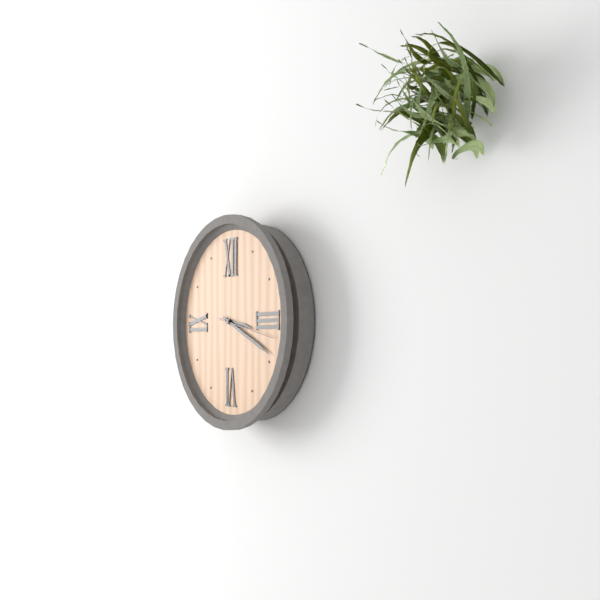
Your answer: 3 h 19 min 17 s
